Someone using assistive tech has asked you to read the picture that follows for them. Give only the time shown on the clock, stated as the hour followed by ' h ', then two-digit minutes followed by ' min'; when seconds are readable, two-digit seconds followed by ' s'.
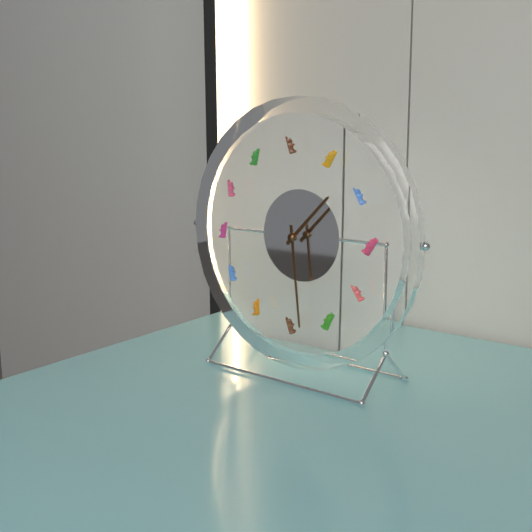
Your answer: 1 h 29 min
